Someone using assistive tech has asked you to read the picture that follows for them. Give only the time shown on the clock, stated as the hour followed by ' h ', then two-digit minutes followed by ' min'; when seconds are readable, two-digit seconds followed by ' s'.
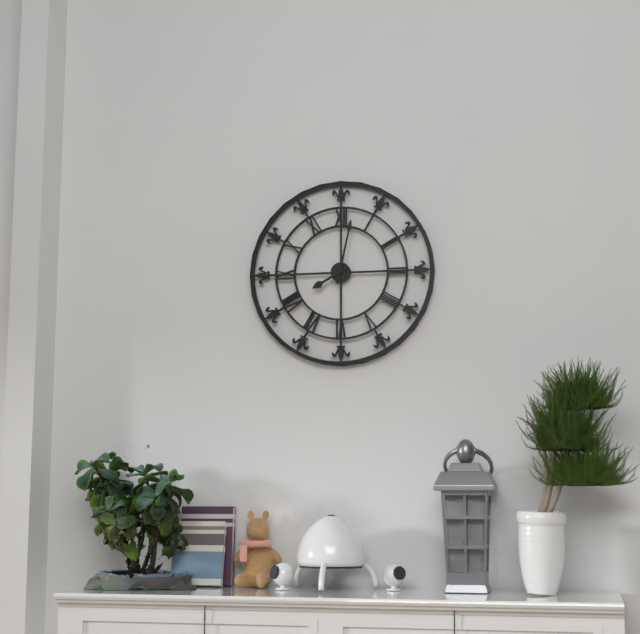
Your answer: 8 h 02 min
